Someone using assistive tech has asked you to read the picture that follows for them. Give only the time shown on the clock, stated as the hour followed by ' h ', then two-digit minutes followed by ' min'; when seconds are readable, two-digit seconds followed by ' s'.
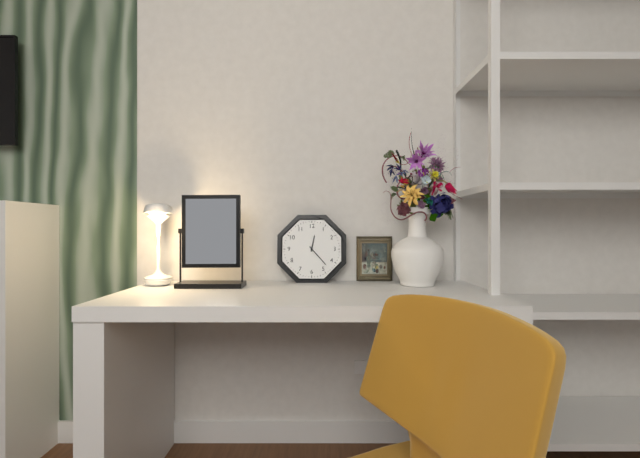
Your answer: 12 h 23 min
